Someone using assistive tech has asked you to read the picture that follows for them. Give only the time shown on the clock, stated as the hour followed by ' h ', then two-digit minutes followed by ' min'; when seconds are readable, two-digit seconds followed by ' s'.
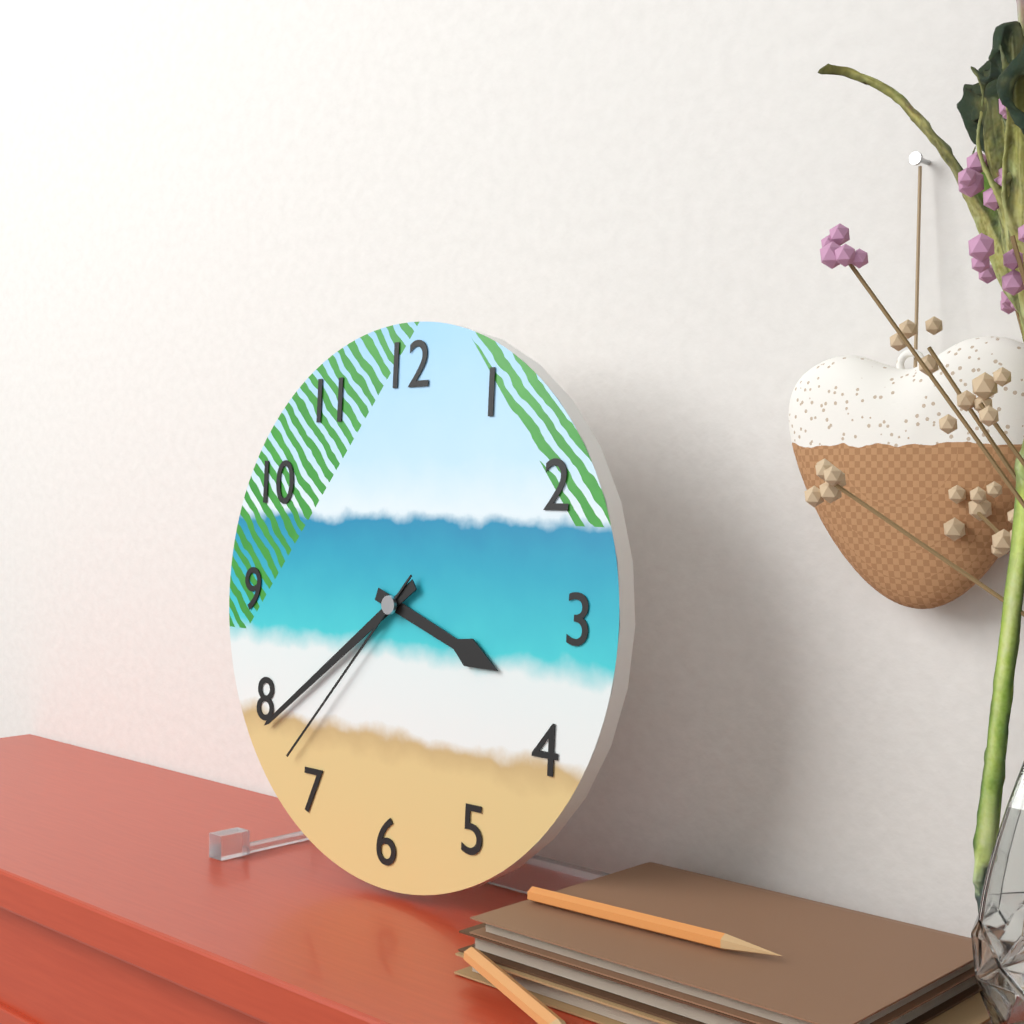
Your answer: 3 h 39 min 37 s
